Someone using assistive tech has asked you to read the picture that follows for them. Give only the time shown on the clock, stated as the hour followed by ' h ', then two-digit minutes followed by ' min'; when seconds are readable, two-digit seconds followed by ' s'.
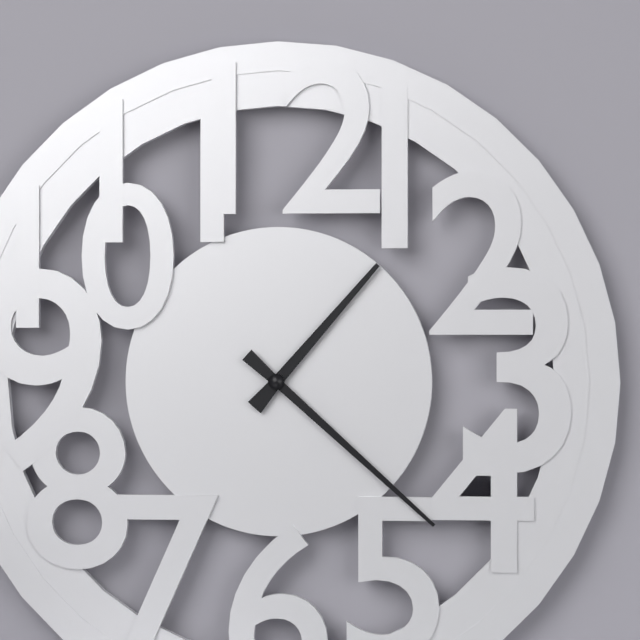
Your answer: 1 h 22 min
